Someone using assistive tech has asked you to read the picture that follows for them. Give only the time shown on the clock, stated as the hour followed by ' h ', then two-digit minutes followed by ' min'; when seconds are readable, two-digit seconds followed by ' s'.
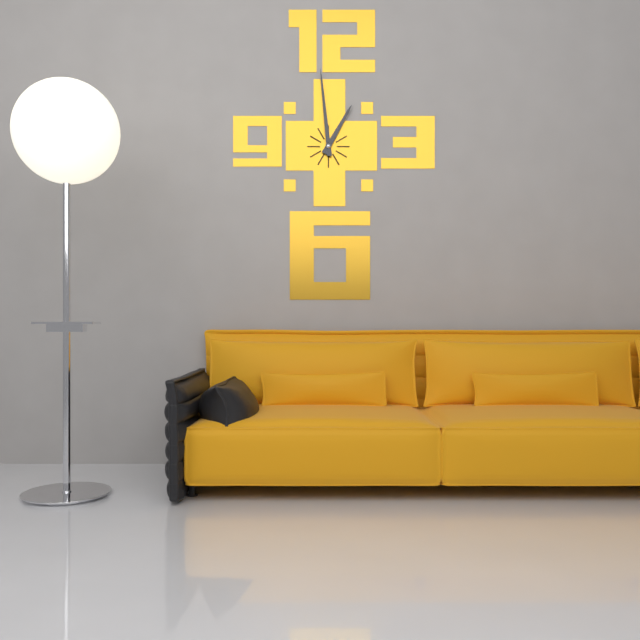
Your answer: 12 h 59 min
